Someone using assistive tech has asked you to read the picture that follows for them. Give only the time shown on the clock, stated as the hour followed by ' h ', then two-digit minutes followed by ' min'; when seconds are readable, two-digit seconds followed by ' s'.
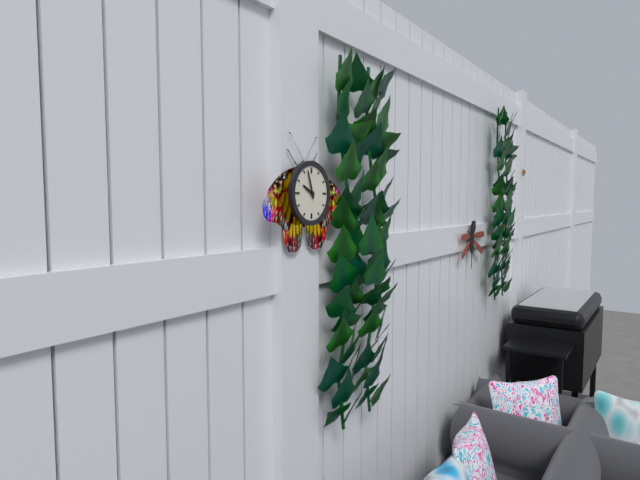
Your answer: 9 h 57 min
